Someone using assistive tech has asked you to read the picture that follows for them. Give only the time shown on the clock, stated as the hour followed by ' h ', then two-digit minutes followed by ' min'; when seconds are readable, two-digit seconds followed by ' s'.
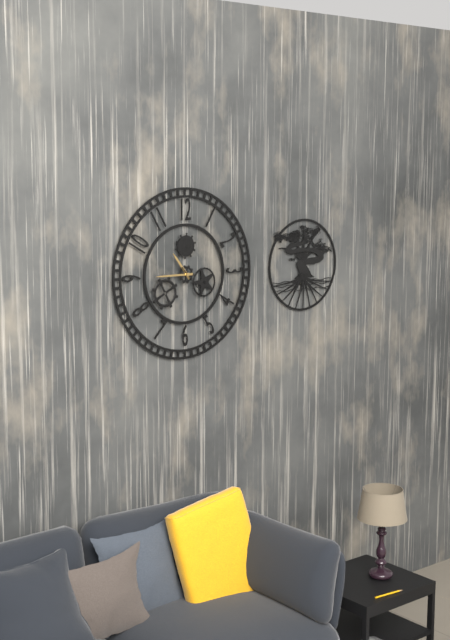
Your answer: 10 h 45 min
